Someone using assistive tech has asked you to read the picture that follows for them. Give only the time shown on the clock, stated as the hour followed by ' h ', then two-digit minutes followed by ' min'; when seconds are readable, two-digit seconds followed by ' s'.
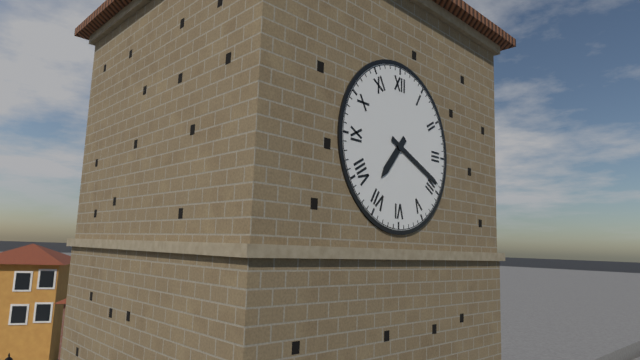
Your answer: 7 h 19 min
